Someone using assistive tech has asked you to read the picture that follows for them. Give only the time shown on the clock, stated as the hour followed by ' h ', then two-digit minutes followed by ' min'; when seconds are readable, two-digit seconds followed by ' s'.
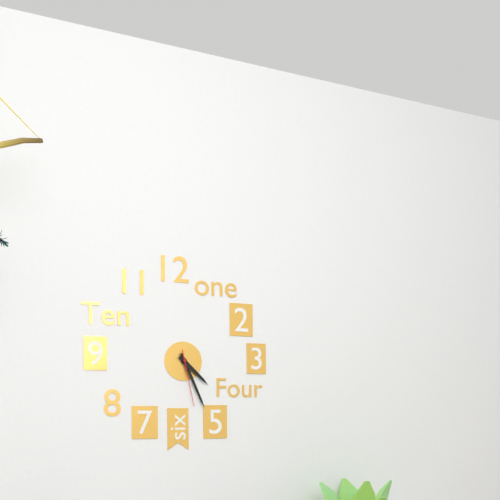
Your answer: 4 h 26 min 28 s
